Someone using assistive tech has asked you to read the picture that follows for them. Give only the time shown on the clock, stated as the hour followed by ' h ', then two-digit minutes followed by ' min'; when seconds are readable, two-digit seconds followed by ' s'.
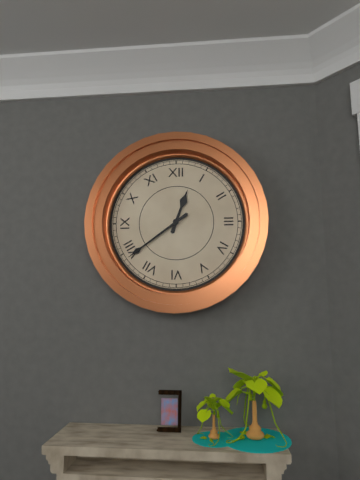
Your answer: 12 h 39 min
